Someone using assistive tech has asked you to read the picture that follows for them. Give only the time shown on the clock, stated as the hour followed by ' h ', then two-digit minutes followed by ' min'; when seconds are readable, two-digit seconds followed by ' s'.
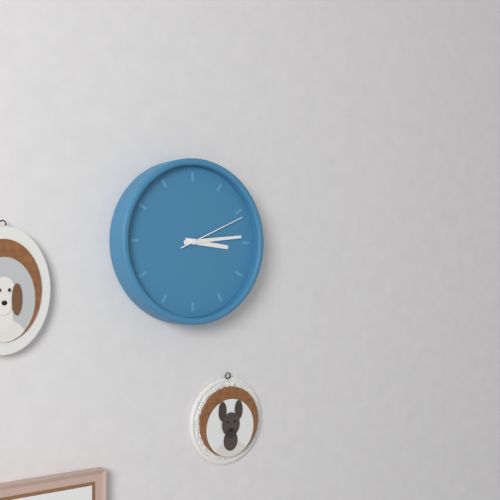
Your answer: 3 h 14 min 11 s
